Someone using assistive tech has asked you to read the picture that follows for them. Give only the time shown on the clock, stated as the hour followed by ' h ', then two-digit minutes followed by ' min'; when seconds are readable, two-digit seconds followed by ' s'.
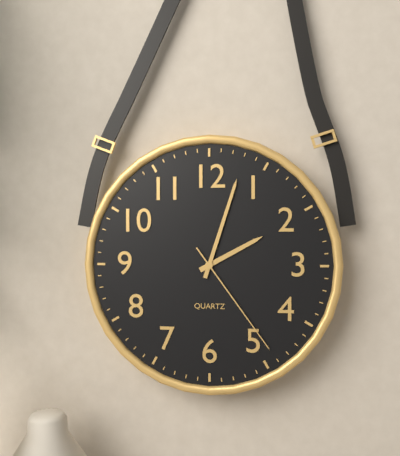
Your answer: 2 h 03 min 24 s
